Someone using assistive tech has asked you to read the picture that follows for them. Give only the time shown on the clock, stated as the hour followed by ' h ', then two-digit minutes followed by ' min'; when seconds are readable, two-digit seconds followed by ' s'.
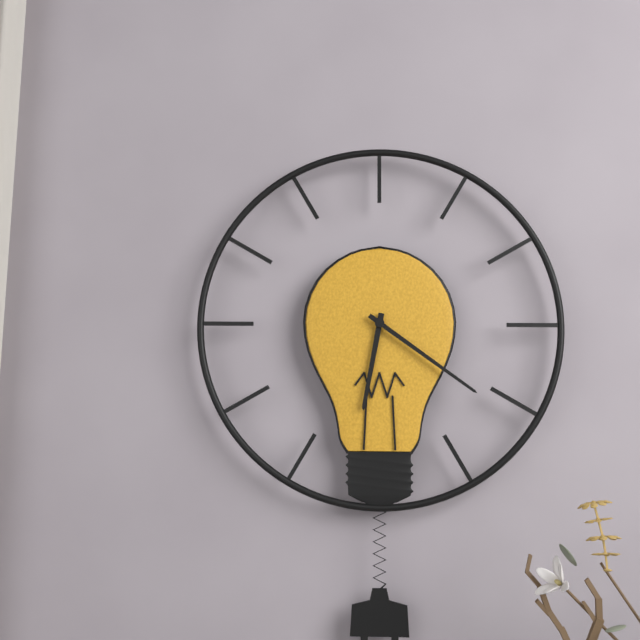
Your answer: 6 h 21 min
